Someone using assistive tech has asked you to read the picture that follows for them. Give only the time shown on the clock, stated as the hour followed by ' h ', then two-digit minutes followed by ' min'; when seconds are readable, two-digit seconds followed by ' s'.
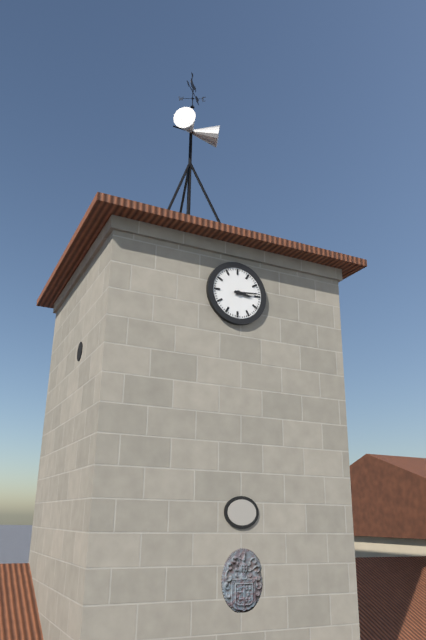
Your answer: 3 h 14 min
